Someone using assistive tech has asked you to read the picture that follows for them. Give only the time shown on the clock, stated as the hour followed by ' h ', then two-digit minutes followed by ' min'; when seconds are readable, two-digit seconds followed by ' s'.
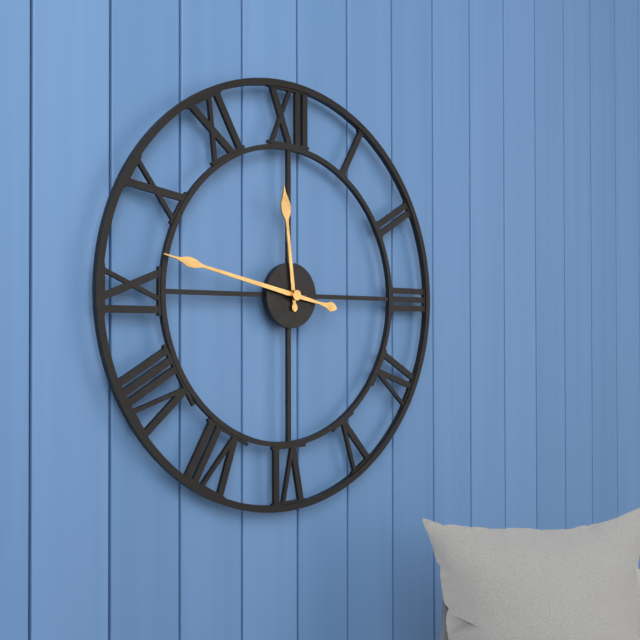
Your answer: 11 h 47 min
